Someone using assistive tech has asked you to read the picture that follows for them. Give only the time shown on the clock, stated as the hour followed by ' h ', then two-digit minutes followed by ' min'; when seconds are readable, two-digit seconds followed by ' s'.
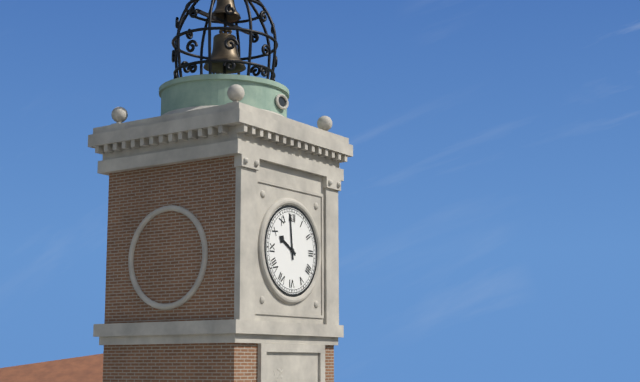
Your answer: 9 h 59 min
